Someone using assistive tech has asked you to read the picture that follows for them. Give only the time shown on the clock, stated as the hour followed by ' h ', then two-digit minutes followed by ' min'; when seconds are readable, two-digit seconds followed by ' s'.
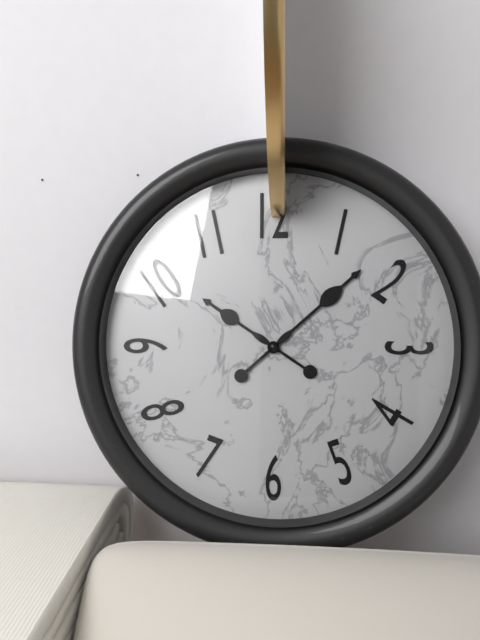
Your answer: 10 h 08 min
